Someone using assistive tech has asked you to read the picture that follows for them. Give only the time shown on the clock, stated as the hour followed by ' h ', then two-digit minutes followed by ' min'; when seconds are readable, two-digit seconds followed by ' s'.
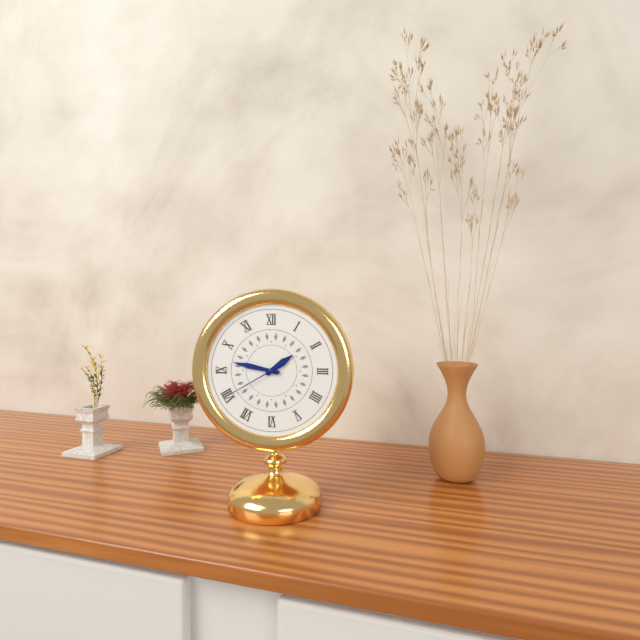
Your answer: 1 h 47 min 40 s
